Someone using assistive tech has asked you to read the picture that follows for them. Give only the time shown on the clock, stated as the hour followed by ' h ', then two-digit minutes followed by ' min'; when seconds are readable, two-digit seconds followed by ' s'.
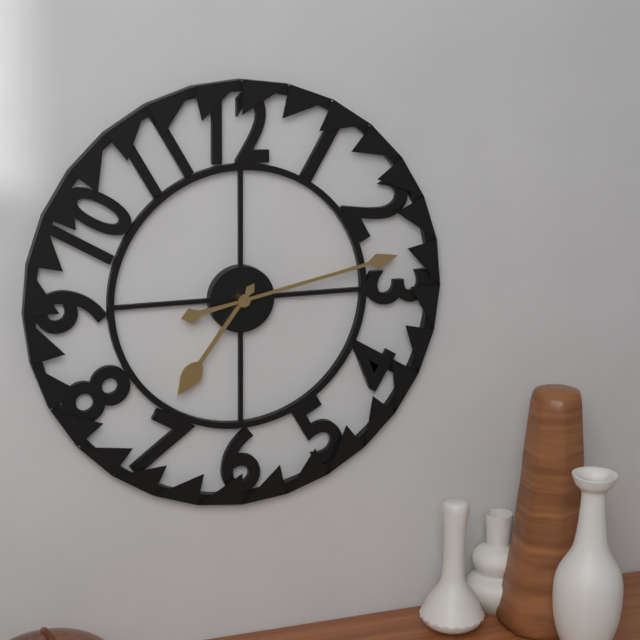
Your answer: 7 h 13 min
